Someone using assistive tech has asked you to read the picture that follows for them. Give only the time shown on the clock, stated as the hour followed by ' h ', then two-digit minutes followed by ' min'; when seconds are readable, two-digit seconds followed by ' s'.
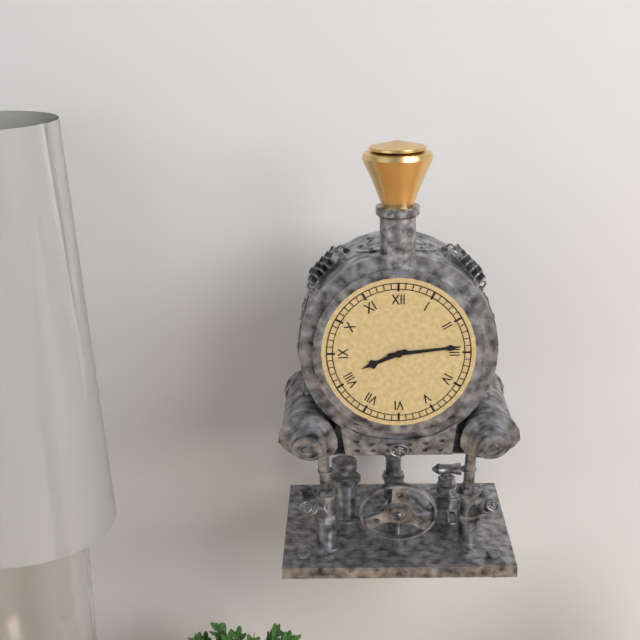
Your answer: 8 h 14 min
